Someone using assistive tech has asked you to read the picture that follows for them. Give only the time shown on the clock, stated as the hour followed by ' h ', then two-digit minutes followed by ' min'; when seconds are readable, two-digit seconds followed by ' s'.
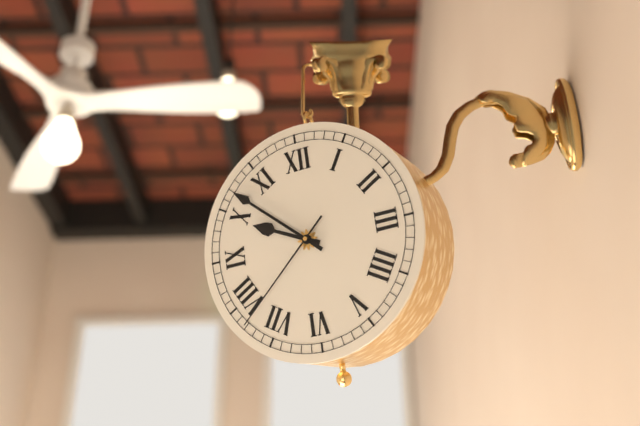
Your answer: 9 h 52 min 38 s
